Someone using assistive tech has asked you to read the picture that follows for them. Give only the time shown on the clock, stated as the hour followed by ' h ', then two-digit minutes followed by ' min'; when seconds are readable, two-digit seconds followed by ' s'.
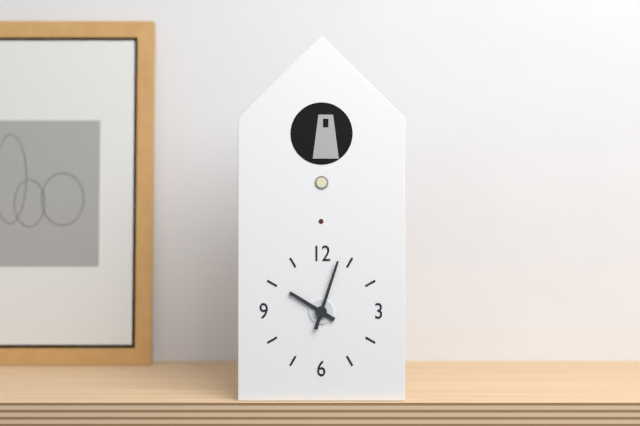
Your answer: 10 h 03 min
